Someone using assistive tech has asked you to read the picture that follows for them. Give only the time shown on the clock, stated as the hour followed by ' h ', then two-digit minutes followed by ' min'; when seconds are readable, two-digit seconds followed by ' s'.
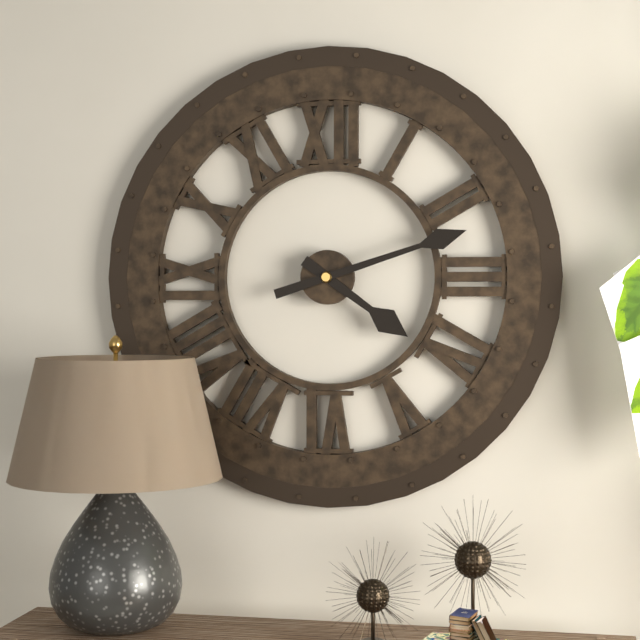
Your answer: 4 h 12 min
